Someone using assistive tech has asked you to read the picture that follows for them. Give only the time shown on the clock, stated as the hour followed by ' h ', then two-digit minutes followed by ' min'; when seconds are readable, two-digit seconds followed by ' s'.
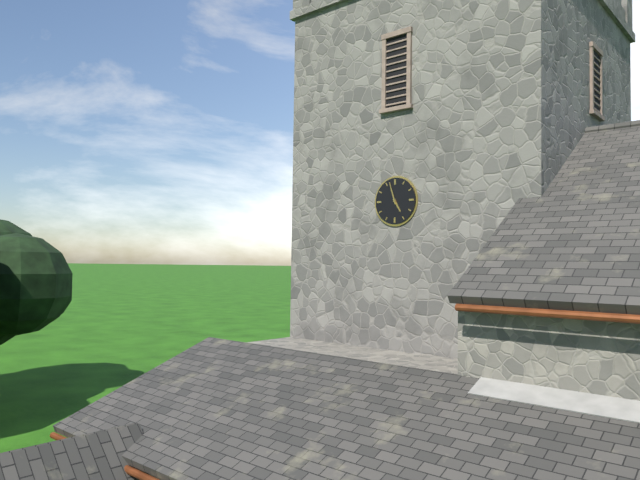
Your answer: 4 h 57 min
